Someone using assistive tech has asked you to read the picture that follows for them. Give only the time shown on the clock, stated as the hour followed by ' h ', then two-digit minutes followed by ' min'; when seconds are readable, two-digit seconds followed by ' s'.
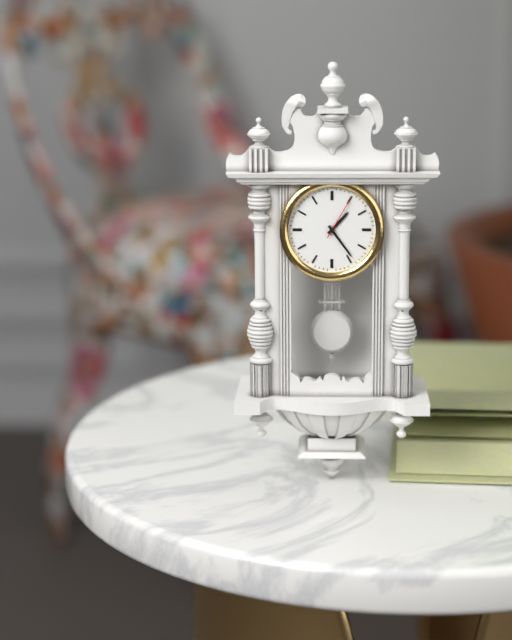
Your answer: 1 h 24 min
